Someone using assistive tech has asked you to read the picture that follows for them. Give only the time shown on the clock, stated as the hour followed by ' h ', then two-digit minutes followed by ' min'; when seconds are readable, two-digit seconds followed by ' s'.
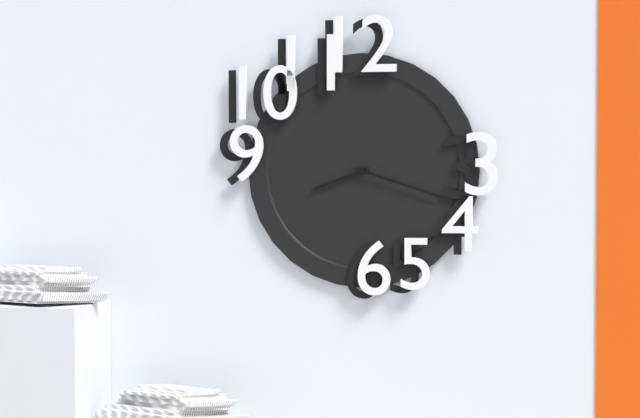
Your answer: 8 h 18 min
